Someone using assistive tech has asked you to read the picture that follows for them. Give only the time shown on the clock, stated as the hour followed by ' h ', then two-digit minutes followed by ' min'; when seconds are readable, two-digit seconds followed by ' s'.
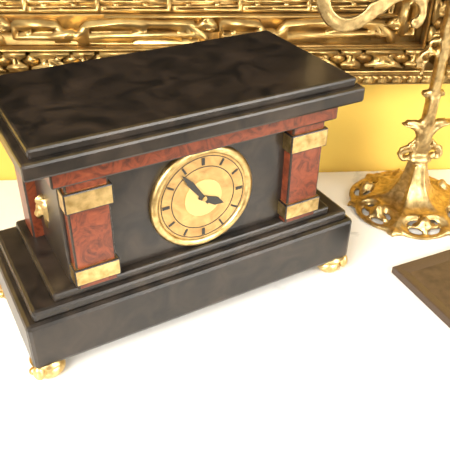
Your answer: 3 h 54 min
